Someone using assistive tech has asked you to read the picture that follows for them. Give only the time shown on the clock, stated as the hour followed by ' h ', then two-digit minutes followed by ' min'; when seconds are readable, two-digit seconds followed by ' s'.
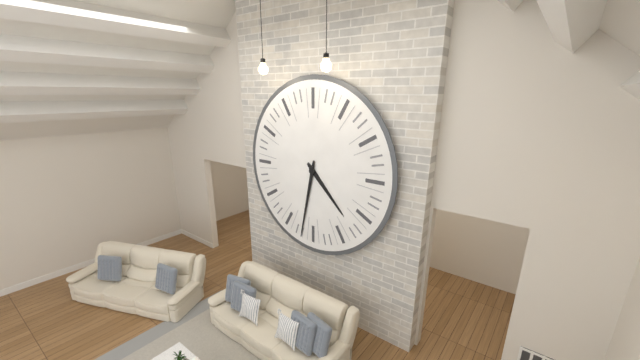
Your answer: 4 h 32 min
